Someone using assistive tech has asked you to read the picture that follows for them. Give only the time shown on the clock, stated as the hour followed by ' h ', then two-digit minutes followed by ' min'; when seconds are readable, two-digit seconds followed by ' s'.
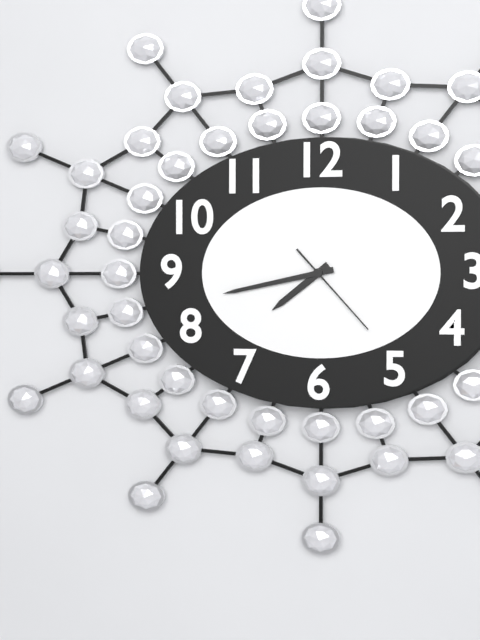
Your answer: 7 h 43 min 23 s
